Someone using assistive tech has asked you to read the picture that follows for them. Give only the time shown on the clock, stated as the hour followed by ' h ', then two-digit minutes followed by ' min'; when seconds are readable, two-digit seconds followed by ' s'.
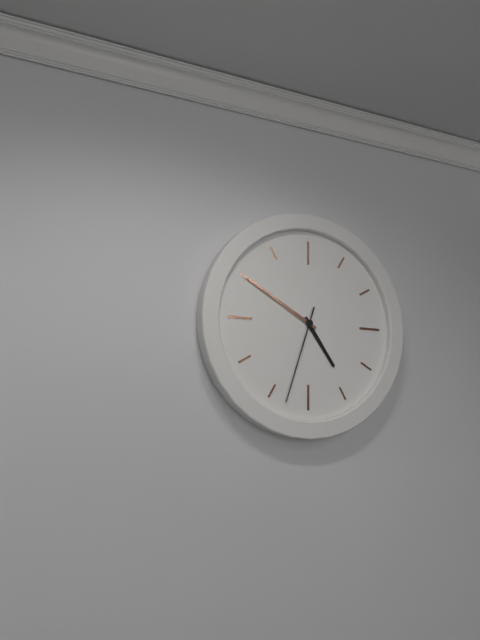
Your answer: 4 h 50 min 33 s
